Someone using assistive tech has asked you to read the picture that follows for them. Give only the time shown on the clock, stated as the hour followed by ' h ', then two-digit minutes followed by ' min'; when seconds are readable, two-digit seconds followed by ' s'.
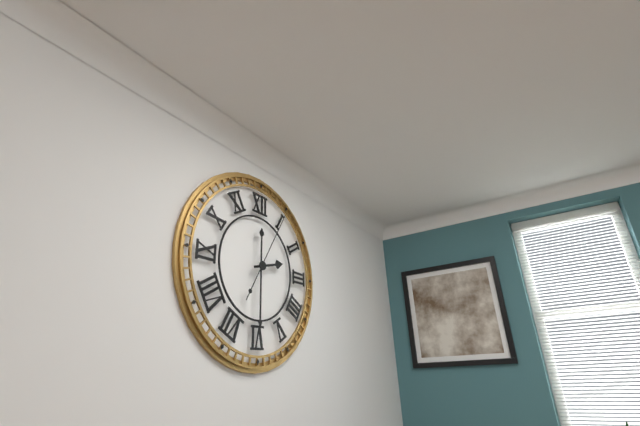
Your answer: 2 h 30 min 05 s
